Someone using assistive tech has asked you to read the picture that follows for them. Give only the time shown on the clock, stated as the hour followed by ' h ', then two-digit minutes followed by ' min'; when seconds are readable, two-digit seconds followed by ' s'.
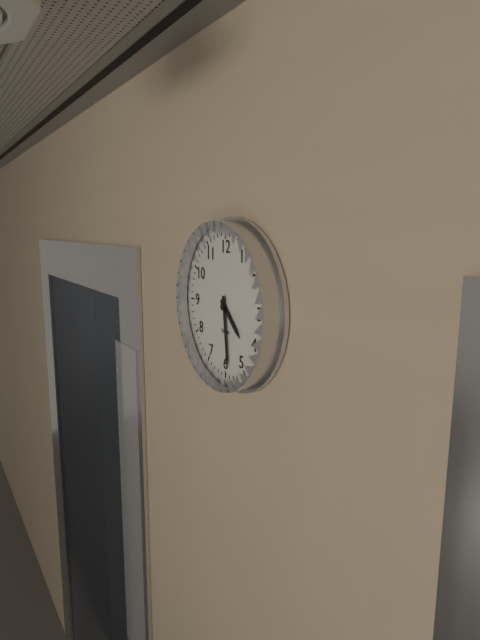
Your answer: 4 h 29 min
